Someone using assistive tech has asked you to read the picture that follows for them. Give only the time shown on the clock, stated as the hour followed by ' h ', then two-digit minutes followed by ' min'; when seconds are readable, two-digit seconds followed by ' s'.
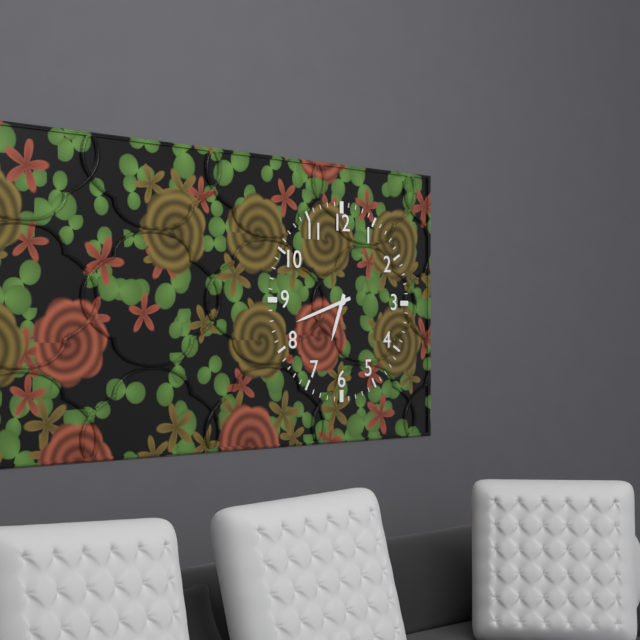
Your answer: 6 h 42 min
